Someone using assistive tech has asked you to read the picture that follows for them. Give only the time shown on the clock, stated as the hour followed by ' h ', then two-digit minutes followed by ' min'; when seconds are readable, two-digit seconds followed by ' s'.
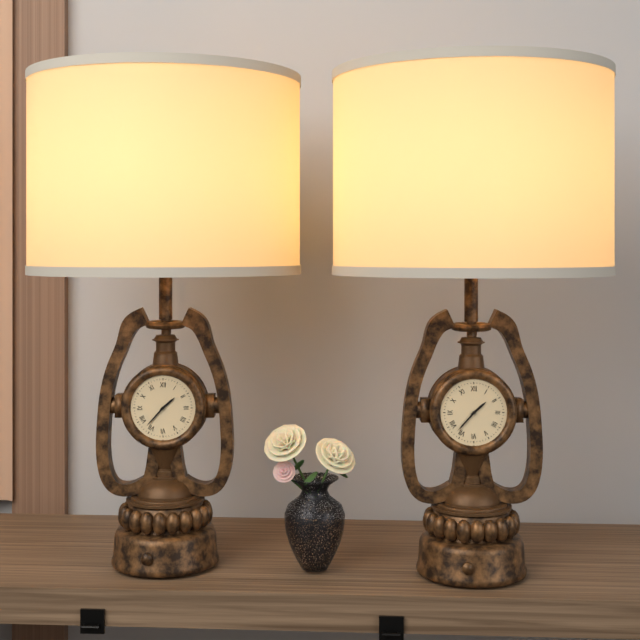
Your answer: 1 h 37 min
